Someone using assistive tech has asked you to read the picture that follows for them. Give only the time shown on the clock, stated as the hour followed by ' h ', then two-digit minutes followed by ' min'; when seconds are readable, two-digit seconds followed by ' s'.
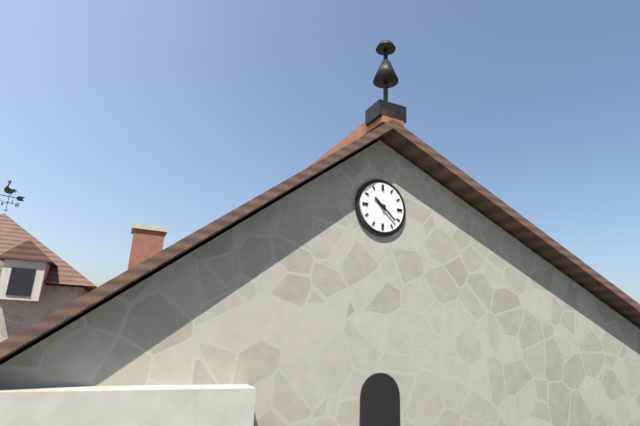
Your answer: 10 h 22 min
